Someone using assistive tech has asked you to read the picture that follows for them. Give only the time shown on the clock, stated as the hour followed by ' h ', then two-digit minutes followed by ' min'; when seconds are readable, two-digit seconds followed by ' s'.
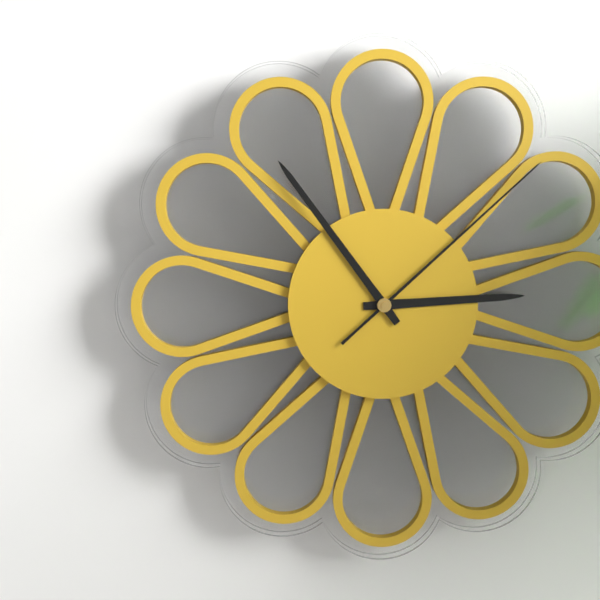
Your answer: 2 h 54 min 08 s
